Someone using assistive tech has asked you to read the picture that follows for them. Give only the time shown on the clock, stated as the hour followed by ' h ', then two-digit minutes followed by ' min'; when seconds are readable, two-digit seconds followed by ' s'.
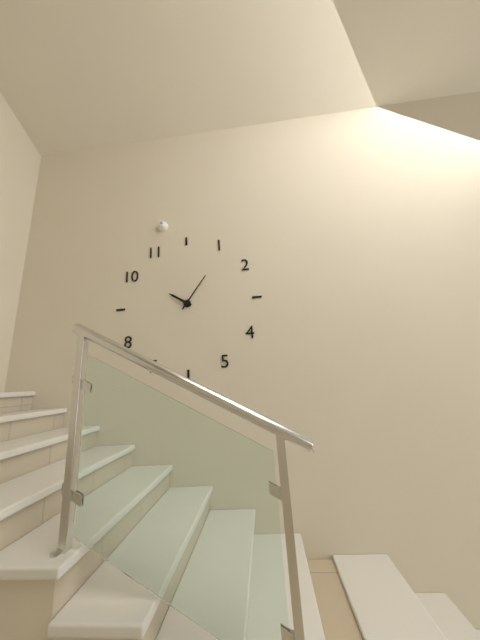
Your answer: 10 h 06 min
